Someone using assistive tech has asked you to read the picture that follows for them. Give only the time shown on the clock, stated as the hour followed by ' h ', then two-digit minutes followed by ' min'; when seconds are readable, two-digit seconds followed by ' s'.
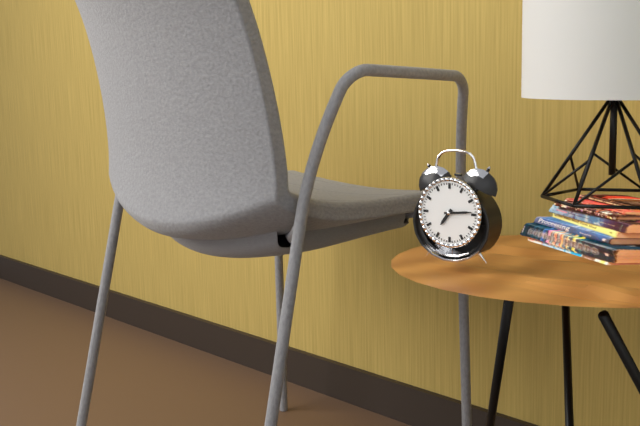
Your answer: 7 h 14 min
